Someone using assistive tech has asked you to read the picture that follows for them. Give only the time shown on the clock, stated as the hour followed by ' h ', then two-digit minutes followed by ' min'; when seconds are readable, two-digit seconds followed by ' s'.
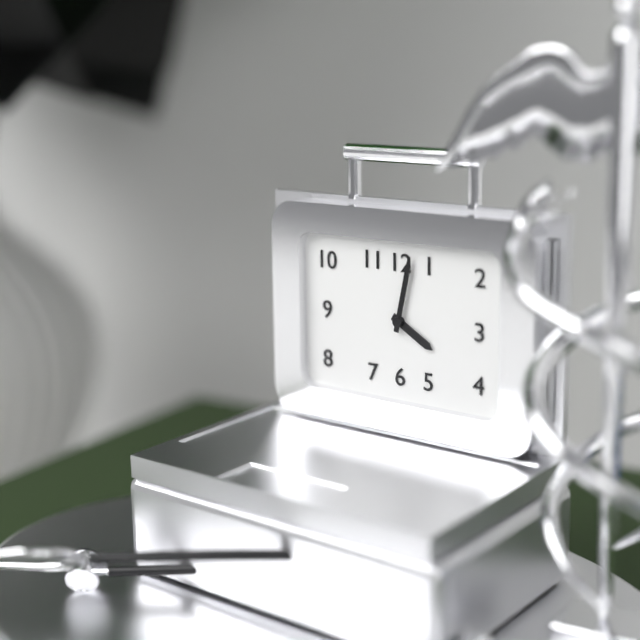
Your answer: 4 h 02 min
